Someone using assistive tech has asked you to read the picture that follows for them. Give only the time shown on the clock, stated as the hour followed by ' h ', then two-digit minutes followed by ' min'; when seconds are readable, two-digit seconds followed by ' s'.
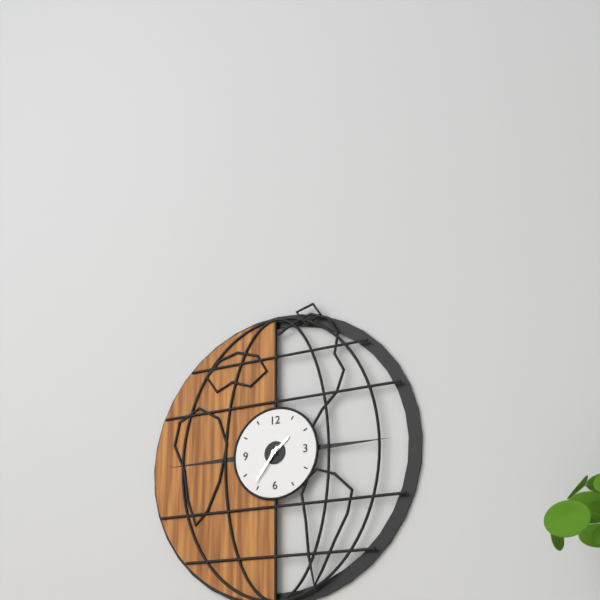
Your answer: 1 h 36 min
